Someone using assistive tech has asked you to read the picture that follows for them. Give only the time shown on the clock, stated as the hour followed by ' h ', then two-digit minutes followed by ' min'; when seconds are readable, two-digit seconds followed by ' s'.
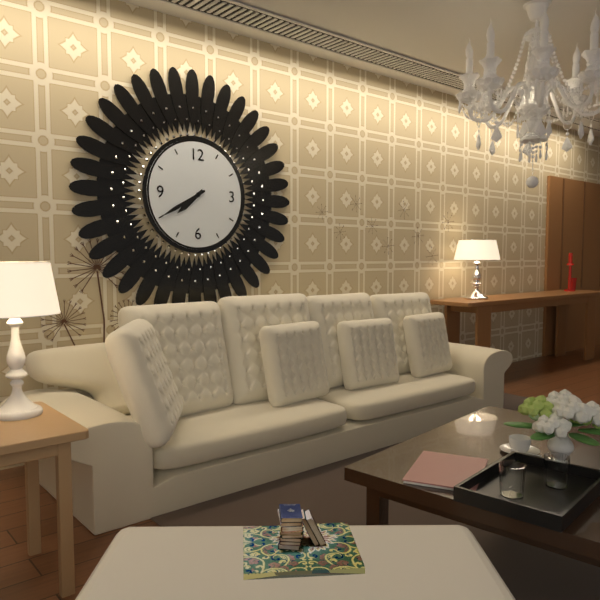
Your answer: 7 h 40 min
